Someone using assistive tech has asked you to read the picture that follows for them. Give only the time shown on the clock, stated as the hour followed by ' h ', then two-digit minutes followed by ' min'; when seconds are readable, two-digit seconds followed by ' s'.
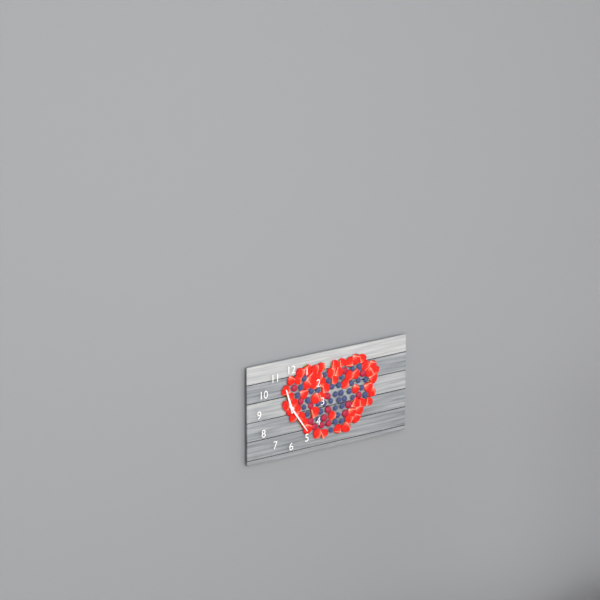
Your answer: 11 h 24 min
